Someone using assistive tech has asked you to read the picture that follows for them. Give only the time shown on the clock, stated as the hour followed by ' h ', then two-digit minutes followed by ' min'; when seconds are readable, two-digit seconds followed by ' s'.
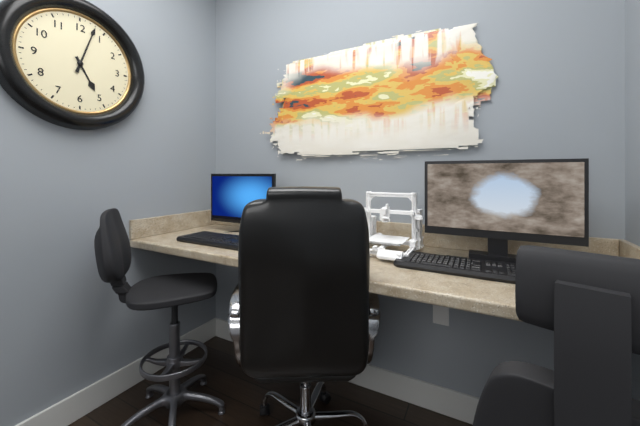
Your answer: 5 h 03 min
